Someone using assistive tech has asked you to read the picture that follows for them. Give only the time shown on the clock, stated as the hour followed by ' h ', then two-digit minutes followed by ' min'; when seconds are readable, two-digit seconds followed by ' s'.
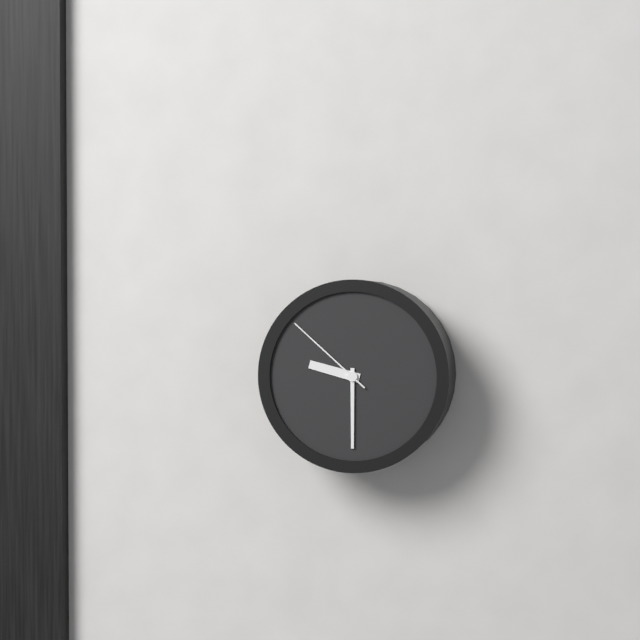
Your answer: 9 h 30 min 52 s
